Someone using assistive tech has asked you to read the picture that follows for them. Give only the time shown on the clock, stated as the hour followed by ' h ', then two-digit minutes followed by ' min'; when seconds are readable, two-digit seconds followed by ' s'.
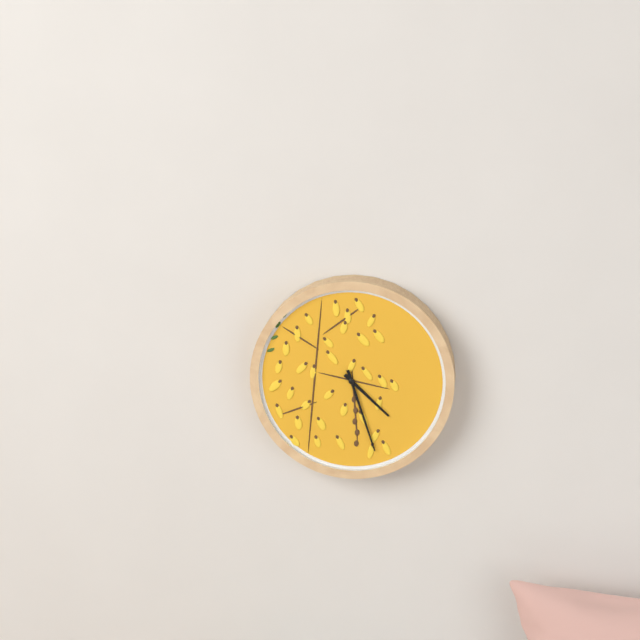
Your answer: 4 h 27 min
